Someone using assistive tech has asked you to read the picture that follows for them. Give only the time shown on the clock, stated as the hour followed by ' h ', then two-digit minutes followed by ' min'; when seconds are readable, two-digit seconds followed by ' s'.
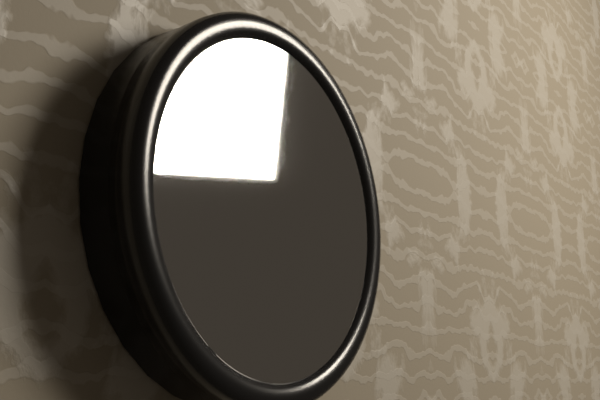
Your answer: 11 h 55 min 07 s
